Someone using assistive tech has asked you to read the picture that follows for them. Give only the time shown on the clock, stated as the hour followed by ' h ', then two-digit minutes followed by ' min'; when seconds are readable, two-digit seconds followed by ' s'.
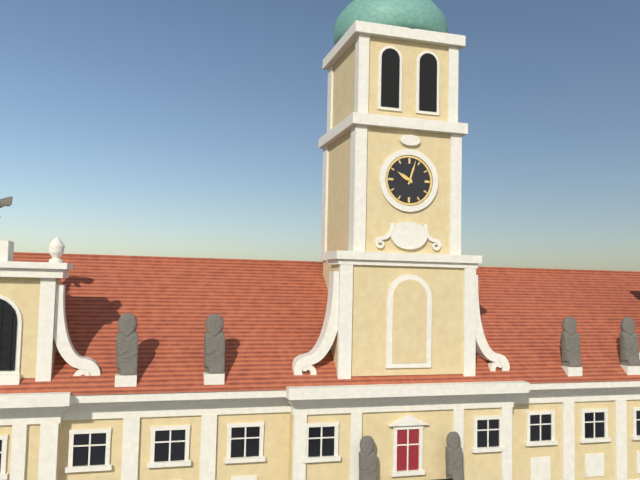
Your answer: 10 h 03 min
